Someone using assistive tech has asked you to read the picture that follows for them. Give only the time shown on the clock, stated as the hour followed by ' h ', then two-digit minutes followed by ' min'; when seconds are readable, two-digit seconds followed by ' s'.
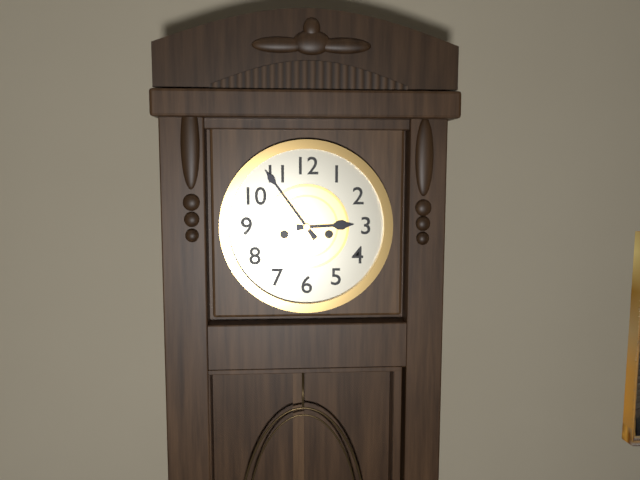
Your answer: 2 h 54 min
